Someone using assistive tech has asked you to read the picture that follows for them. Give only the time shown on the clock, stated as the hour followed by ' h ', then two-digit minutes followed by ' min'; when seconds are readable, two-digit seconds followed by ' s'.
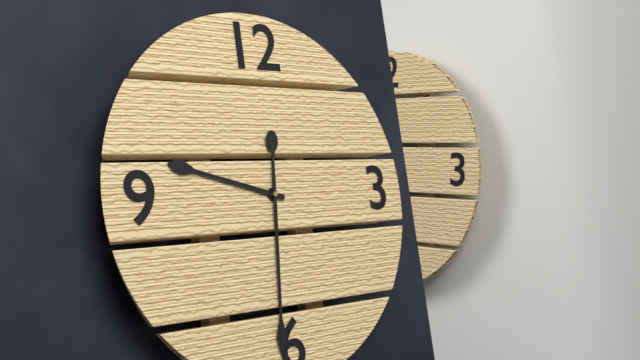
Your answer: 9 h 31 min
